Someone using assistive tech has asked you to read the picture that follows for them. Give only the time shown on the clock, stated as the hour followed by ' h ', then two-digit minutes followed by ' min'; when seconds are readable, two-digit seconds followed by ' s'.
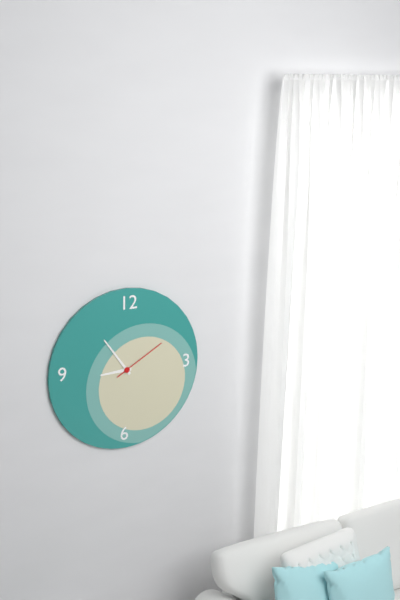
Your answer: 8 h 54 min 10 s
